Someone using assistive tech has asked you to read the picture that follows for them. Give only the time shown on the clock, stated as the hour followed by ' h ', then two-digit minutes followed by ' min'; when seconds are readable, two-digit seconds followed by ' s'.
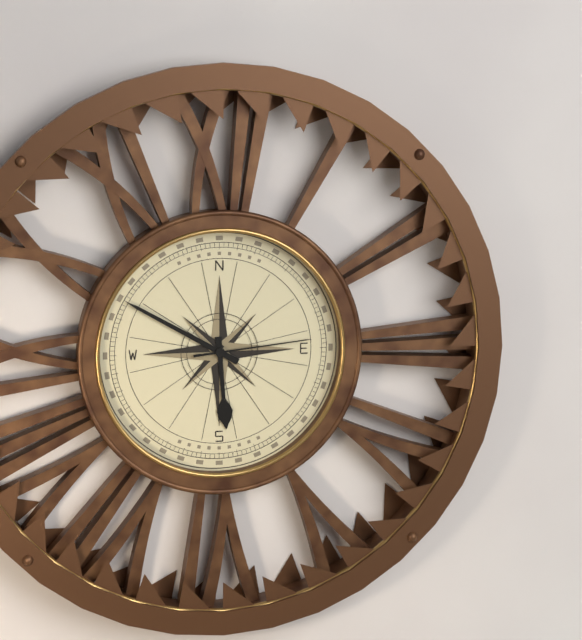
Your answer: 5 h 50 min 14 s
